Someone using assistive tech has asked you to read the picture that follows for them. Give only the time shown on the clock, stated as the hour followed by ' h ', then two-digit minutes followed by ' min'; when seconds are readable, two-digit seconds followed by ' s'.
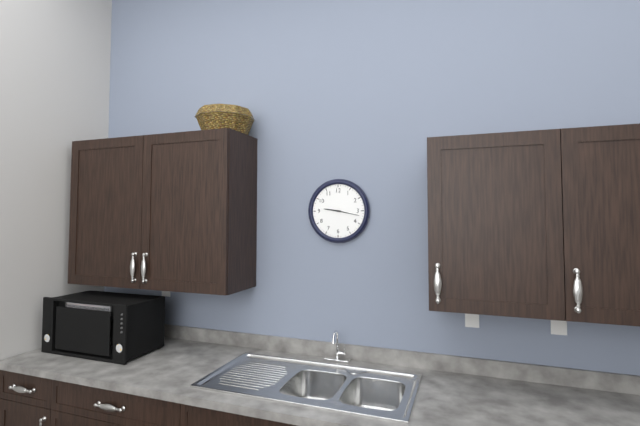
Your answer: 9 h 17 min
